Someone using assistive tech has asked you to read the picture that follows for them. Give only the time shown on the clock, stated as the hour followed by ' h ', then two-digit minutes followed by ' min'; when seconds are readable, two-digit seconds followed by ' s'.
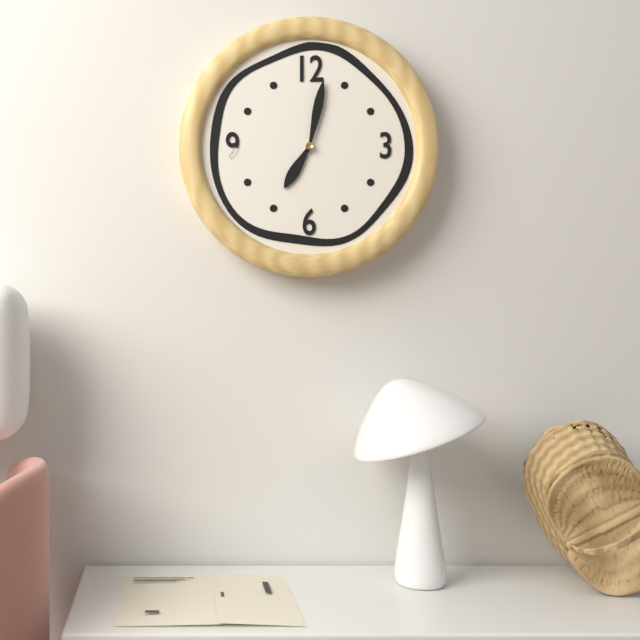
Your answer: 7 h 02 min
